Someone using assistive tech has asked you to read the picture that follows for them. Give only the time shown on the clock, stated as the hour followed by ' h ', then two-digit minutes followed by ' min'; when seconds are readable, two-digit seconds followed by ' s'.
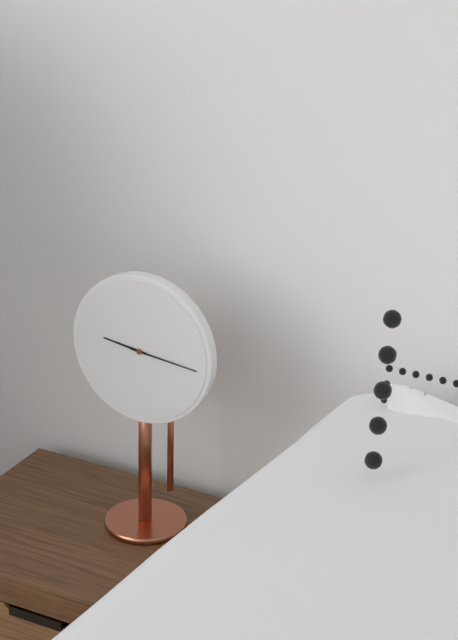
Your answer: 9 h 16 min
